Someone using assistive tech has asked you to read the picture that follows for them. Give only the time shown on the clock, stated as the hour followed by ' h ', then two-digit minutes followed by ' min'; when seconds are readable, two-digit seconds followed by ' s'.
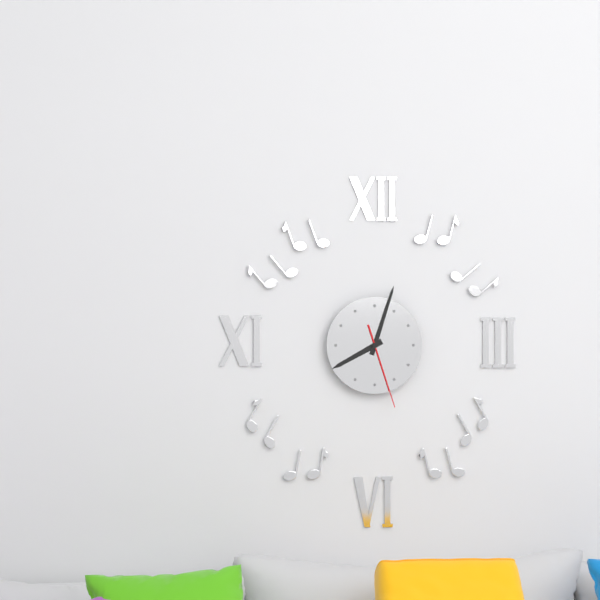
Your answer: 8 h 03 min 27 s
